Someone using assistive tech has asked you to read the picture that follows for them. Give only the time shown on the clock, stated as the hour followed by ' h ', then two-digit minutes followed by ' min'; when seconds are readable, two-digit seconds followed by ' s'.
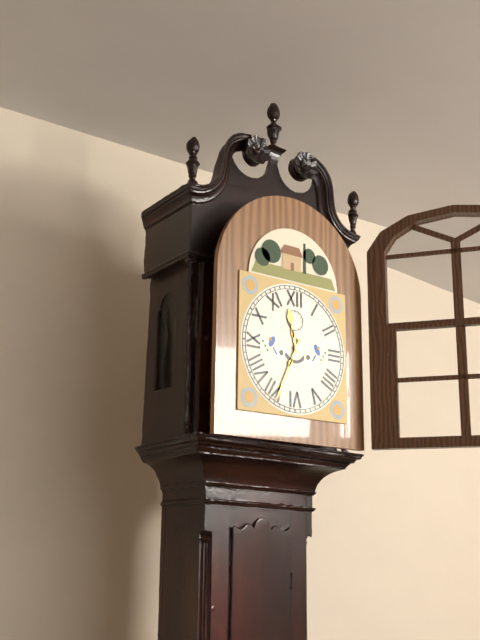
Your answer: 11 h 34 min
